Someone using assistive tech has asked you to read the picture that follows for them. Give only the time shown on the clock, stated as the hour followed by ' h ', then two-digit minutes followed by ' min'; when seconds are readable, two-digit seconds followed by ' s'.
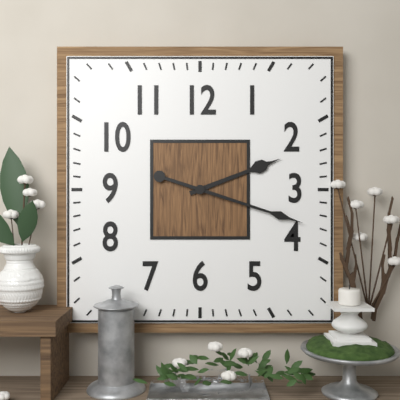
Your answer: 2 h 18 min
